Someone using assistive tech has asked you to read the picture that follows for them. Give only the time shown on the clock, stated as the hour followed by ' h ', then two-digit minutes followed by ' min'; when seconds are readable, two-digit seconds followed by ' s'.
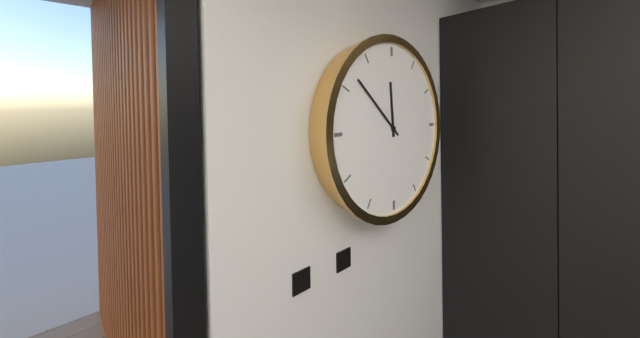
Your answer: 11 h 52 min
